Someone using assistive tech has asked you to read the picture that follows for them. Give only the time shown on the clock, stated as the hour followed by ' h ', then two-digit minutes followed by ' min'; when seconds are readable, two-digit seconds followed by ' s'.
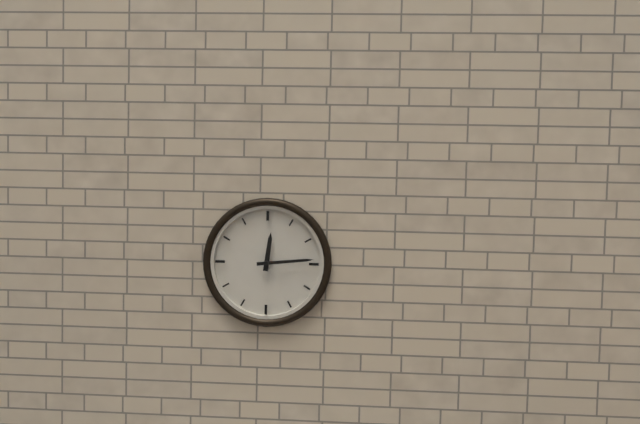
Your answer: 12 h 14 min
